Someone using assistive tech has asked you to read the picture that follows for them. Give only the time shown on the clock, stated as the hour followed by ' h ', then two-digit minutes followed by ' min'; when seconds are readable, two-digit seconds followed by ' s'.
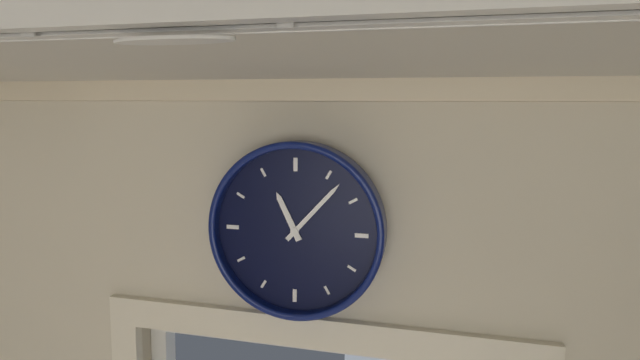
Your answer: 11 h 07 min
